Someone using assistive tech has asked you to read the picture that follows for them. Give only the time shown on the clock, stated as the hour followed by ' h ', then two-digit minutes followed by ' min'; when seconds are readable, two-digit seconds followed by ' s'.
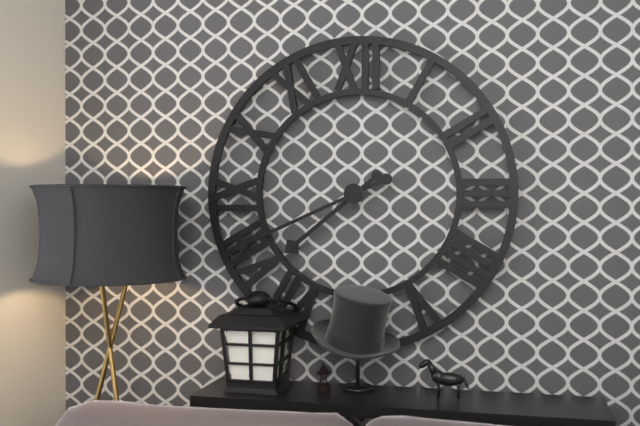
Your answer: 7 h 41 min
